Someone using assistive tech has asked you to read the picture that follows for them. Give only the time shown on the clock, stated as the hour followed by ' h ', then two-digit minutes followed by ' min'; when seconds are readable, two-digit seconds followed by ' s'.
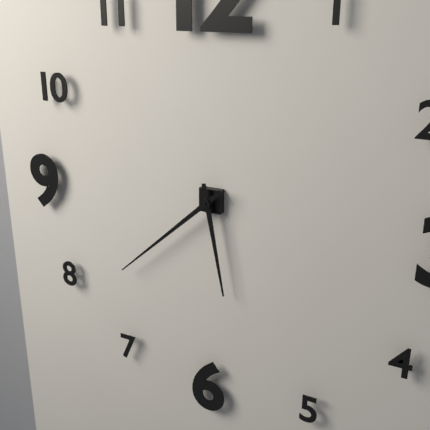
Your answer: 5 h 38 min
